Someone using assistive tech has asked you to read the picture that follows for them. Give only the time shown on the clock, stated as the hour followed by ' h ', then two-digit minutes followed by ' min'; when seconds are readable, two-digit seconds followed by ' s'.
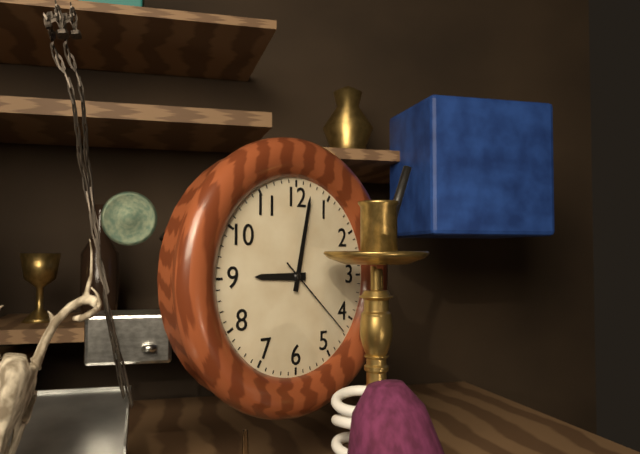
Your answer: 9 h 02 min 22 s
